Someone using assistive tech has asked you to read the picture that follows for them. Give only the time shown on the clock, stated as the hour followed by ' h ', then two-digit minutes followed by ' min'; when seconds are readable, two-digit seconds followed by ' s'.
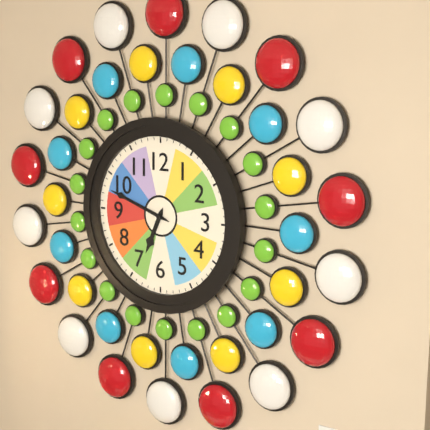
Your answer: 6 h 48 min
